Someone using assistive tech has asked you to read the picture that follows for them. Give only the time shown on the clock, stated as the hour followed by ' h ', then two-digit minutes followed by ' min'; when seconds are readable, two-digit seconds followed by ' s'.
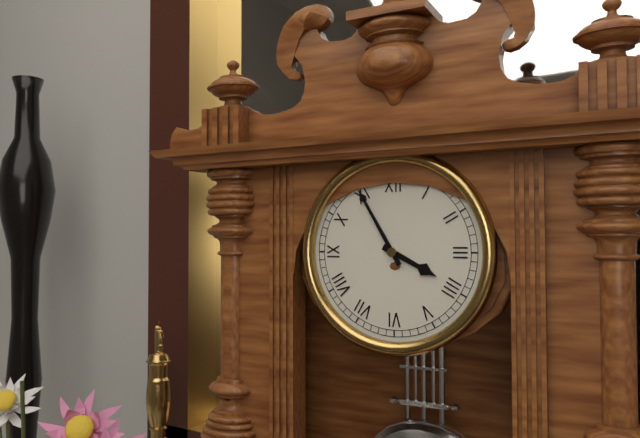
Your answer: 3 h 55 min
